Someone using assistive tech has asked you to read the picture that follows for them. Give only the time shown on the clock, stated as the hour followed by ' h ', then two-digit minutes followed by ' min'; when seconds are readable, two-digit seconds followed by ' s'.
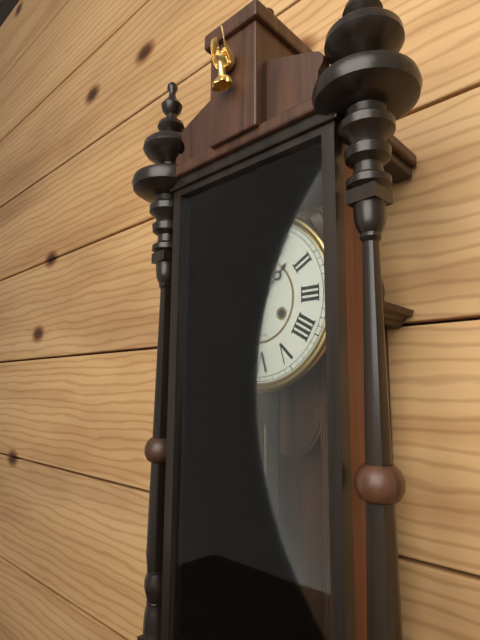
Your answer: 1 h 32 min
